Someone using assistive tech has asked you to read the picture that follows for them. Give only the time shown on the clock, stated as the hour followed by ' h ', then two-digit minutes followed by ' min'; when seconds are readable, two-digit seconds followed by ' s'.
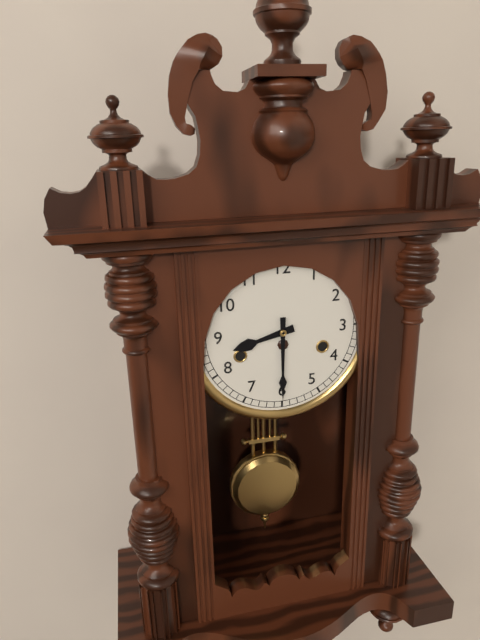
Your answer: 8 h 30 min
